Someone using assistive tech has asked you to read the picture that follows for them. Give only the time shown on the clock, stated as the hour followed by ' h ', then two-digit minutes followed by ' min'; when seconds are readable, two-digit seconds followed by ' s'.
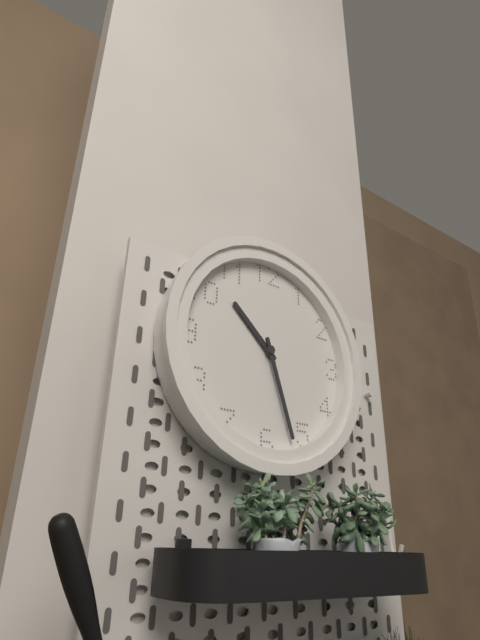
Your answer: 10 h 27 min
